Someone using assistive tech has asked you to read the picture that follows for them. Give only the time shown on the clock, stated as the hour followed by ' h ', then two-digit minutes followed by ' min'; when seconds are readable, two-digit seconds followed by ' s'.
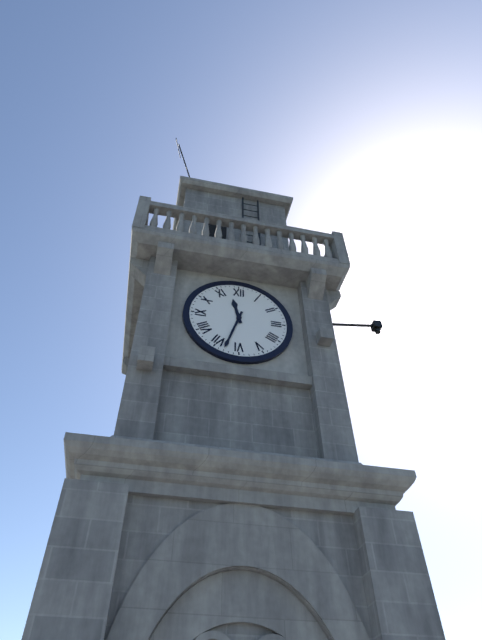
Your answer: 11 h 33 min
